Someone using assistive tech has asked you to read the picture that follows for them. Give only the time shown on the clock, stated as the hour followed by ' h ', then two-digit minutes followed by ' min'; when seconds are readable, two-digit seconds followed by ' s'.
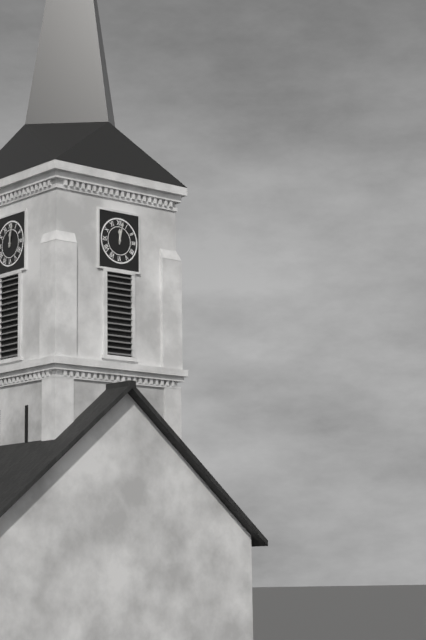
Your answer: 12 h 02 min
